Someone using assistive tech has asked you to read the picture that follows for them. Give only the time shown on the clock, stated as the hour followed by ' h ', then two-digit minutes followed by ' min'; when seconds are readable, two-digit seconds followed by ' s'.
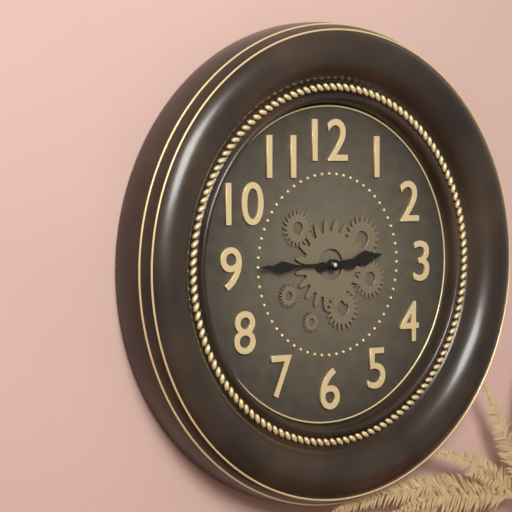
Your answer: 2 h 45 min
